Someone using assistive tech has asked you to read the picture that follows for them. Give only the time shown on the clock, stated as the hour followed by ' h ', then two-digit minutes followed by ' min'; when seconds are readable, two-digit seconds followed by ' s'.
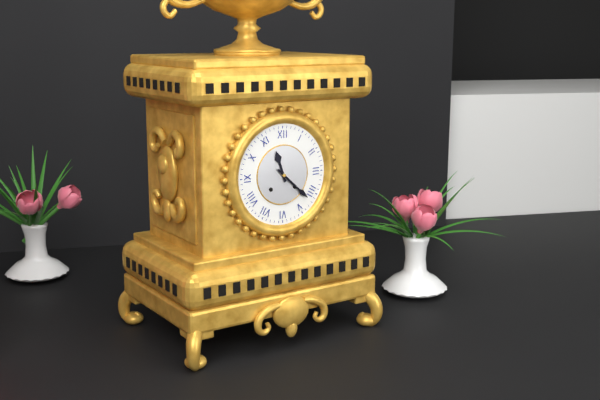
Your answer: 11 h 22 min
